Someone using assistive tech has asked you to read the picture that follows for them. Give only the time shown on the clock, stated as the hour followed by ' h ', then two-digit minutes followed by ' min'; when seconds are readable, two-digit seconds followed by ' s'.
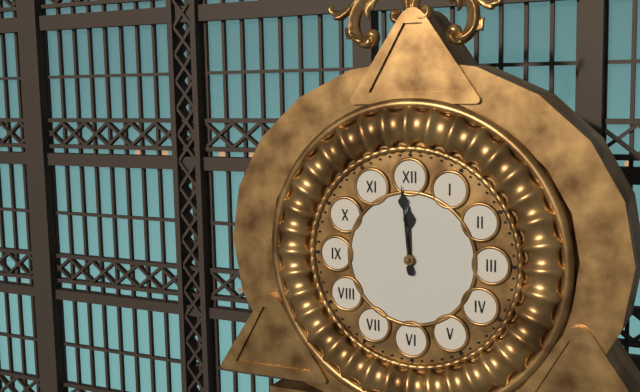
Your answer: 11 h 59 min
